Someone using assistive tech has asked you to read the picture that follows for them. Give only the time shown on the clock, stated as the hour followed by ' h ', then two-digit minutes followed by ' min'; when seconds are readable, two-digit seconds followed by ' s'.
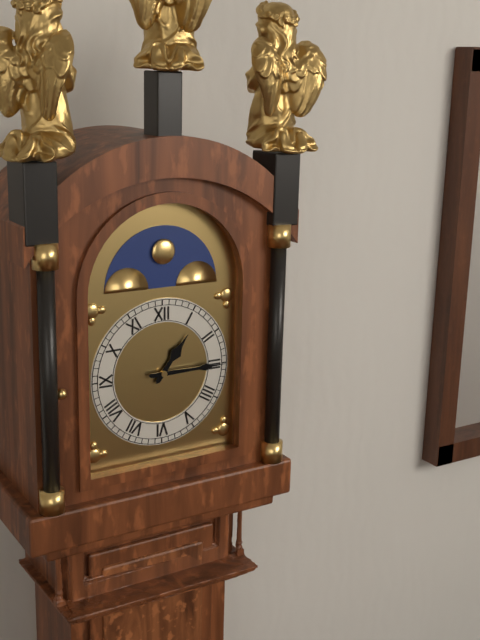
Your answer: 1 h 15 min
